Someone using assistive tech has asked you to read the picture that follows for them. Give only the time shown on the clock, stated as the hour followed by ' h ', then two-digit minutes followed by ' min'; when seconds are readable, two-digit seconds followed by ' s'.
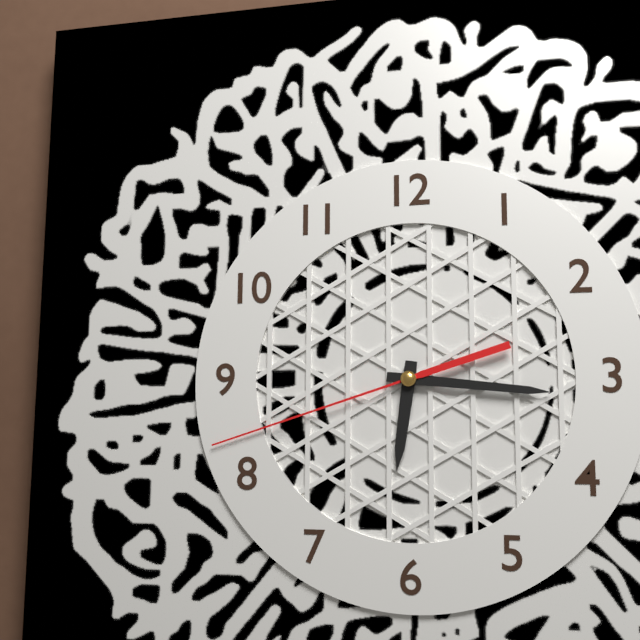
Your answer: 6 h 16 min 42 s
